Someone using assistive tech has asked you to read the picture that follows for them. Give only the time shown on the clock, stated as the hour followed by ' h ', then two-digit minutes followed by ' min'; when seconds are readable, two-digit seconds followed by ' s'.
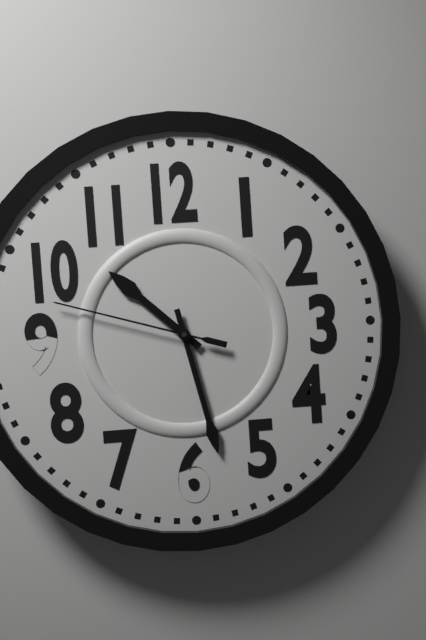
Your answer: 10 h 28 min 48 s
